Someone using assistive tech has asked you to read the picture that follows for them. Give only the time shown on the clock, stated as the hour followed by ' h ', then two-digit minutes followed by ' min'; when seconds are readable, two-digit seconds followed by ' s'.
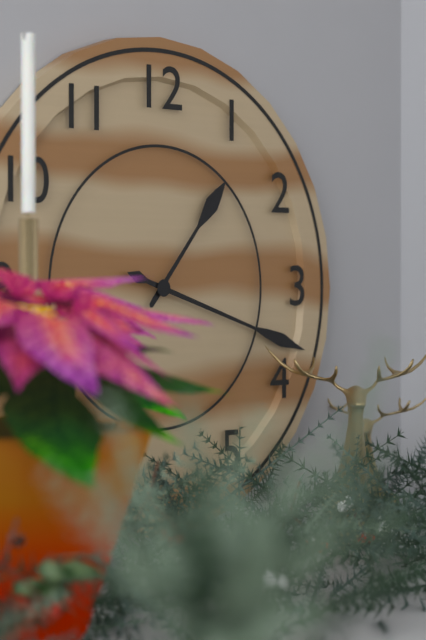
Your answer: 1 h 18 min
